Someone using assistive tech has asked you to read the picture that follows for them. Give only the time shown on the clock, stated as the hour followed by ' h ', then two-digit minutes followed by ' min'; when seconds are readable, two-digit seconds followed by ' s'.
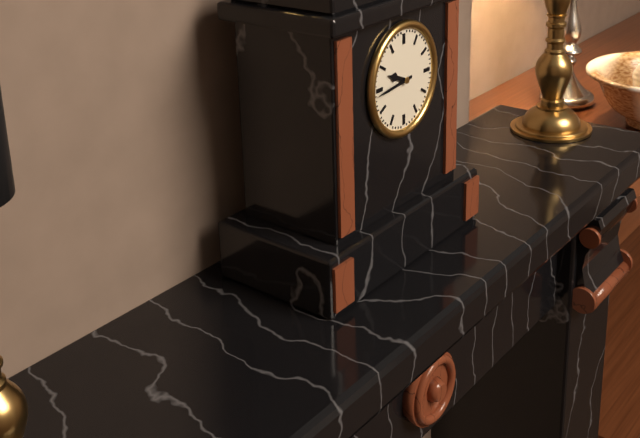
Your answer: 9 h 44 min
